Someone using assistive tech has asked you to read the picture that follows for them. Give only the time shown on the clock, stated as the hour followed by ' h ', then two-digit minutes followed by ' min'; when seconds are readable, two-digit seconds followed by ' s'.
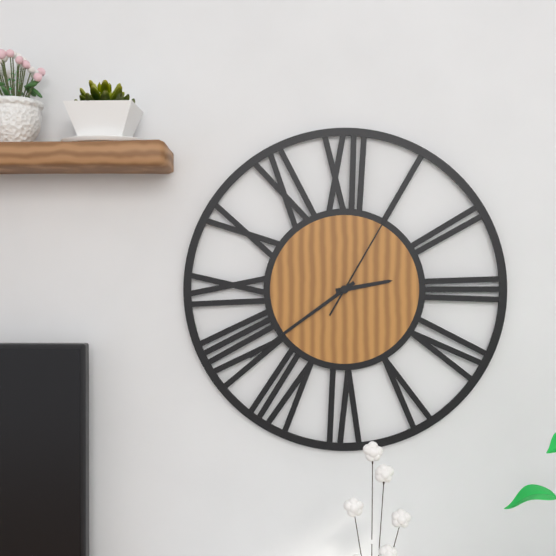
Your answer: 2 h 39 min 05 s
